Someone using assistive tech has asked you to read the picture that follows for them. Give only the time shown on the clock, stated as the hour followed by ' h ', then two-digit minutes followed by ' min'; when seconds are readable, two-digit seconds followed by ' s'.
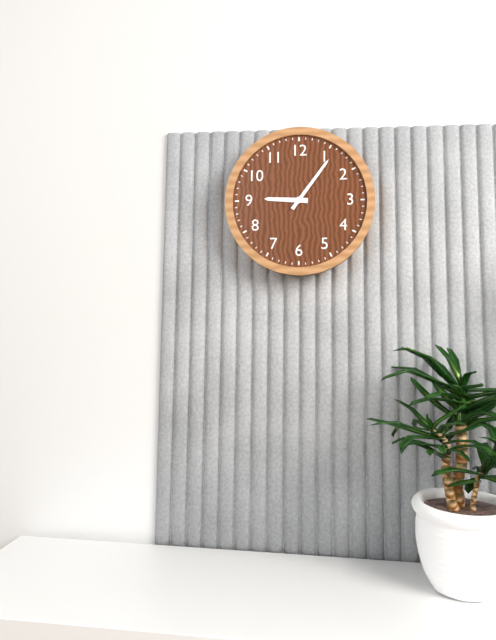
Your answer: 9 h 06 min
